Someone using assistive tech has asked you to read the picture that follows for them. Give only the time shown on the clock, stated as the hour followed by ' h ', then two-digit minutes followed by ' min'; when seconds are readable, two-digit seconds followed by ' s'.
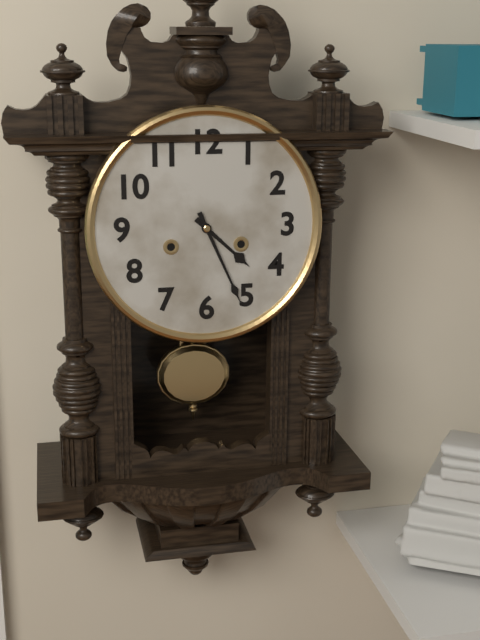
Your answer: 4 h 26 min
